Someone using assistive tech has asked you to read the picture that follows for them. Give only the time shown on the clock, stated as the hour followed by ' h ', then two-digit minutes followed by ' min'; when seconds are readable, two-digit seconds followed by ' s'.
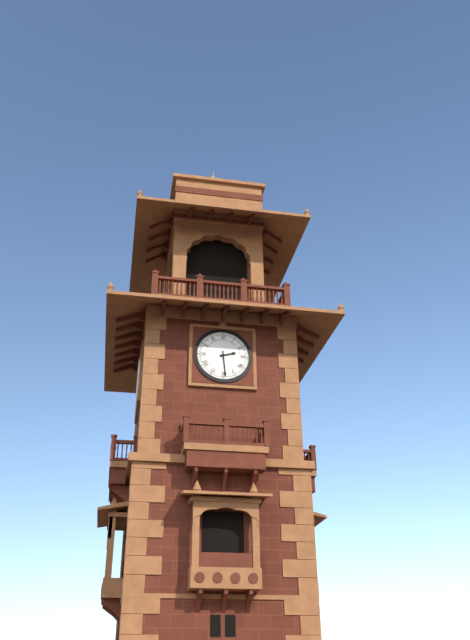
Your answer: 2 h 29 min
